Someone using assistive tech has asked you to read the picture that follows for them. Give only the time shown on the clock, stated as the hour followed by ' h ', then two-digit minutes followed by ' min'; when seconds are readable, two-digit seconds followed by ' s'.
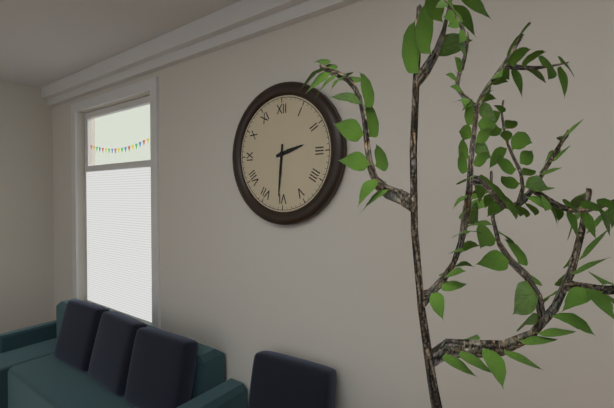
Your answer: 2 h 31 min
